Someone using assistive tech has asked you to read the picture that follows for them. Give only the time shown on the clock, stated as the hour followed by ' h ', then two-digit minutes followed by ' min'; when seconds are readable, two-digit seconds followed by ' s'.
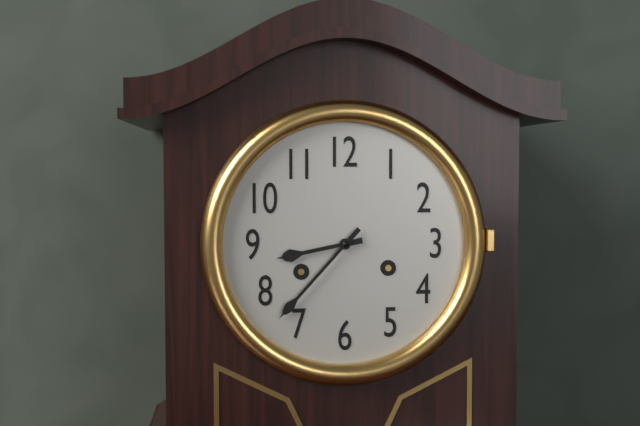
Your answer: 8 h 37 min
